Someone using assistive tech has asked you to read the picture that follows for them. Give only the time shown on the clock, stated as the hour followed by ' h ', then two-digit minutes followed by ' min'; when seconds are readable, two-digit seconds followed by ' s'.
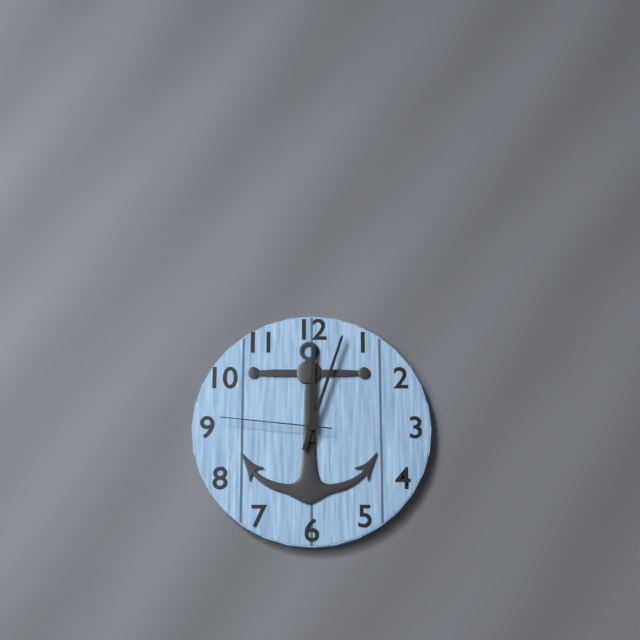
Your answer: 12 h 03 min 46 s
